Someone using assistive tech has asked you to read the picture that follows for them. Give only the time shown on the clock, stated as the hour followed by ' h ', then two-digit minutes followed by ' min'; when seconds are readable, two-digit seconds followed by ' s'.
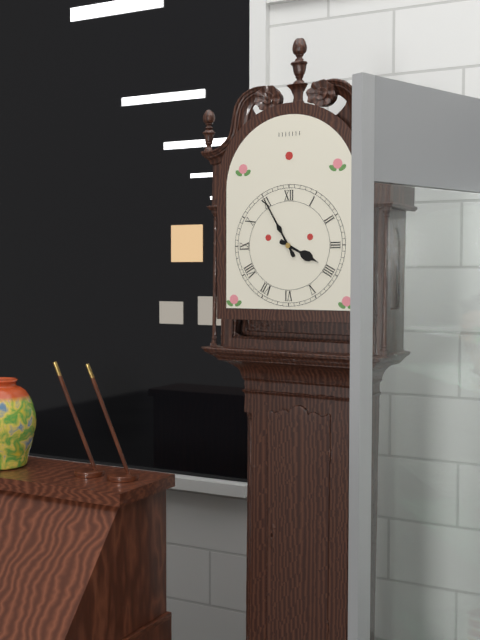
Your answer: 3 h 55 min
